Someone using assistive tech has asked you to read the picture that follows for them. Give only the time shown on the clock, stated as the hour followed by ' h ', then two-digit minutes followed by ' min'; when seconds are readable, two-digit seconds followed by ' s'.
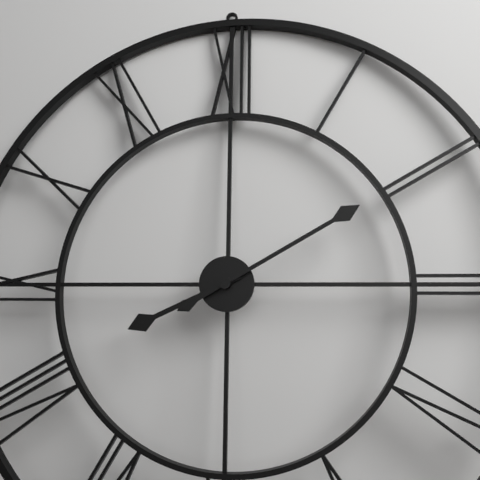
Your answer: 8 h 10 min
